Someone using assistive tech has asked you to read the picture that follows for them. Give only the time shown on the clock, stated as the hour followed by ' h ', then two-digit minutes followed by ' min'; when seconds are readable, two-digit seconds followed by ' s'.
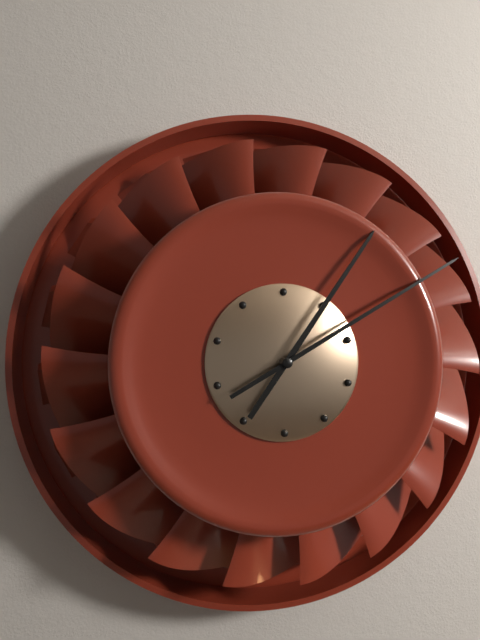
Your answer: 1 h 10 min
